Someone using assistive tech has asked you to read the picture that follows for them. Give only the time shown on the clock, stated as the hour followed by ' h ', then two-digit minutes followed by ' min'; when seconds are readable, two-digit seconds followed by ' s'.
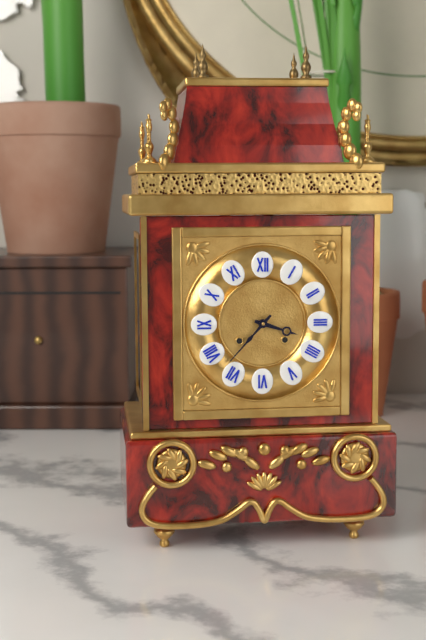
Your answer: 3 h 37 min
